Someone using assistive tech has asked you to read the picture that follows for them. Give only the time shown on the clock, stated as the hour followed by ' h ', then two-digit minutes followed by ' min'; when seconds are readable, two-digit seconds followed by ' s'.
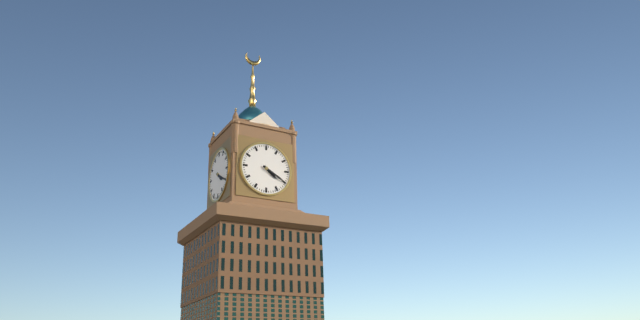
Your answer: 4 h 20 min
